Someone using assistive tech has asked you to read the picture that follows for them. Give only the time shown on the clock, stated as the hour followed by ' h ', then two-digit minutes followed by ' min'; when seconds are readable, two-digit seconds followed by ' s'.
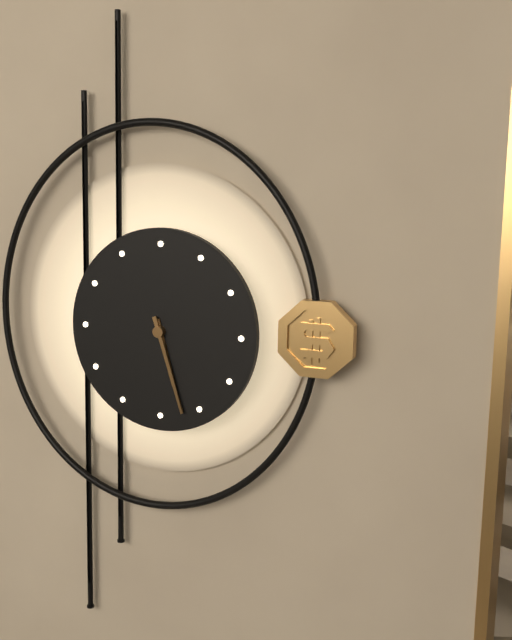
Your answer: 5 h 27 min
